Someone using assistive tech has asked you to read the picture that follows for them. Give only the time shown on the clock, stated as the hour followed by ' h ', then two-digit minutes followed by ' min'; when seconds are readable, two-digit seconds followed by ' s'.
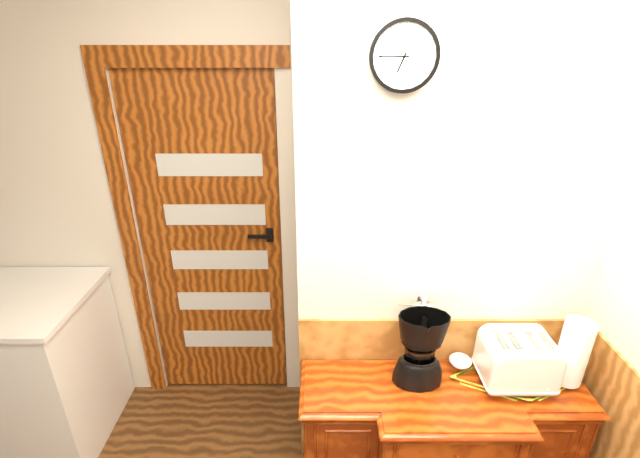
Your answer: 6 h 45 min
